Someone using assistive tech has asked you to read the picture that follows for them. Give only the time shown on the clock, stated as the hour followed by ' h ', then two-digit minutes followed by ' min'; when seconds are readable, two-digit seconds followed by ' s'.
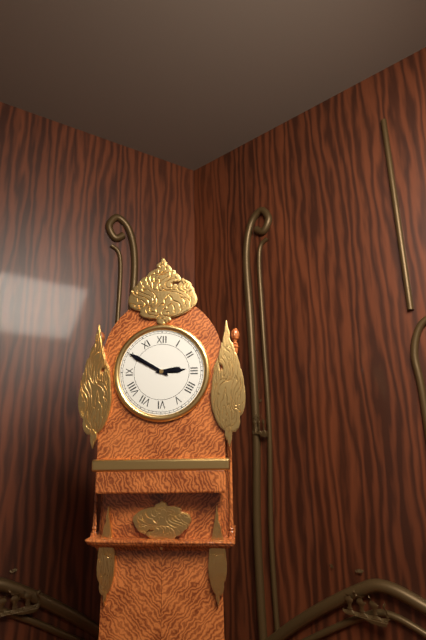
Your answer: 2 h 50 min
